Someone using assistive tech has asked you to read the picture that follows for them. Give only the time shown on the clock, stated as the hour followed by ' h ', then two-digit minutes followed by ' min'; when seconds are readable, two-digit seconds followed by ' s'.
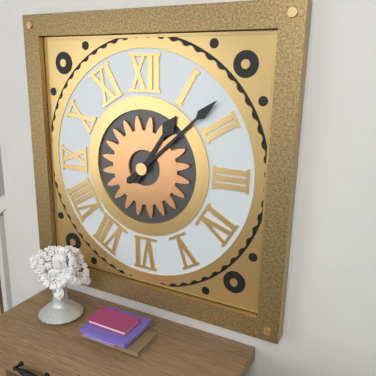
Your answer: 1 h 08 min
